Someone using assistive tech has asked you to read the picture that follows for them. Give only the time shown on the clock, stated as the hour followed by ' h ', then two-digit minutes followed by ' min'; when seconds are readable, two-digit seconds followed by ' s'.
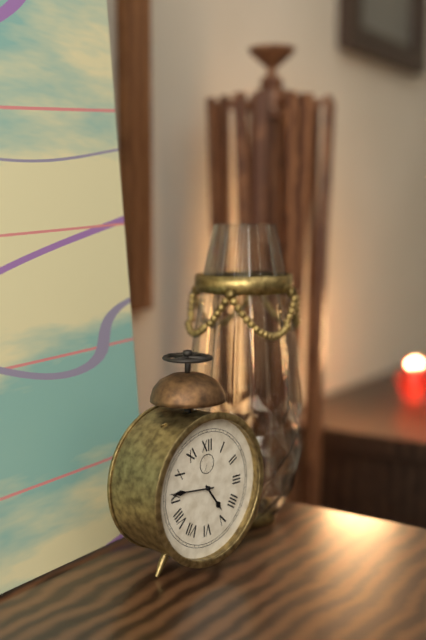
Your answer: 4 h 46 min
